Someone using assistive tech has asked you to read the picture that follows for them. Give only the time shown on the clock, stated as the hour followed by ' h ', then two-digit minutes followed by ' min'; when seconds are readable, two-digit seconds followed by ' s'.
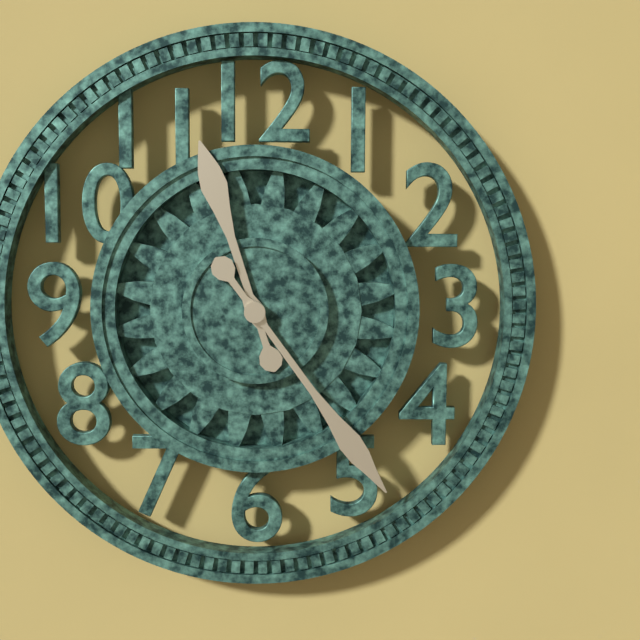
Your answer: 11 h 24 min
